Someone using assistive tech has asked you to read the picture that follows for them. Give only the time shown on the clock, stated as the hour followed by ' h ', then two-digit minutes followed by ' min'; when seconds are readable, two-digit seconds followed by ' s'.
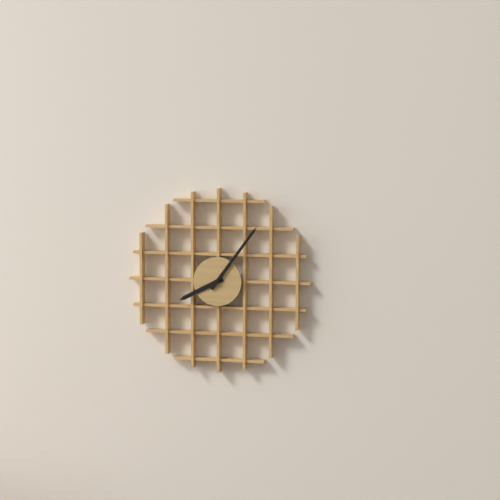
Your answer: 8 h 06 min
